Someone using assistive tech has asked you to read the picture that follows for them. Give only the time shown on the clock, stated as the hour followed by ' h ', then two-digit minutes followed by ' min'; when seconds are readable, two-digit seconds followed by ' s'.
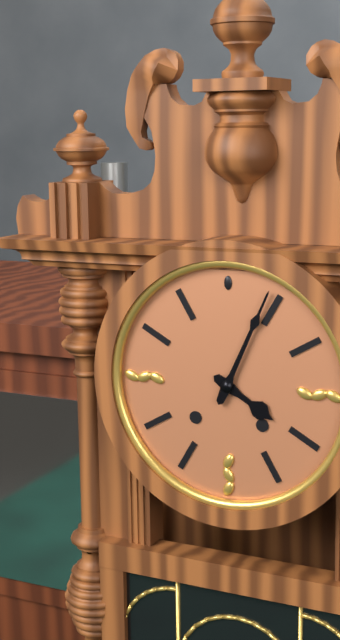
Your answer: 4 h 04 min
